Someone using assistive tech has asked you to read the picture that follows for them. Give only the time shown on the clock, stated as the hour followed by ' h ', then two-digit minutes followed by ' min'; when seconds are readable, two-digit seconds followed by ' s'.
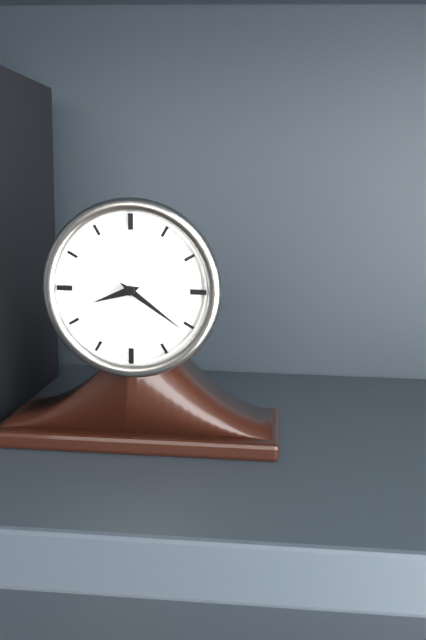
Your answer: 8 h 21 min
